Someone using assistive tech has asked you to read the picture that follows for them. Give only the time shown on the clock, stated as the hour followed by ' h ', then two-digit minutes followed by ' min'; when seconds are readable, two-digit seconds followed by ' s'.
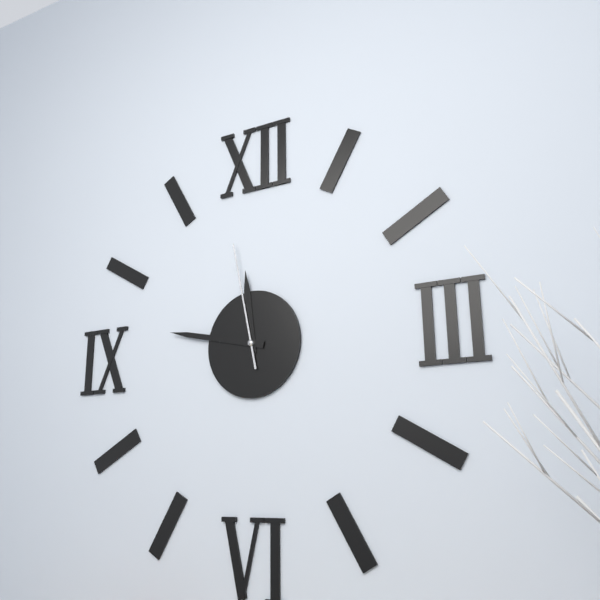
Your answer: 11 h 47 min 58 s
